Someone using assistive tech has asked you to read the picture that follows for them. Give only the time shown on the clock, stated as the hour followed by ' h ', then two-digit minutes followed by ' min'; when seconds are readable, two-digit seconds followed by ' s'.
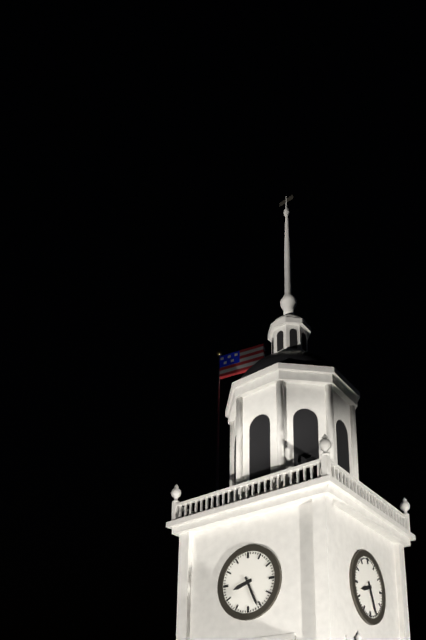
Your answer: 8 h 26 min
